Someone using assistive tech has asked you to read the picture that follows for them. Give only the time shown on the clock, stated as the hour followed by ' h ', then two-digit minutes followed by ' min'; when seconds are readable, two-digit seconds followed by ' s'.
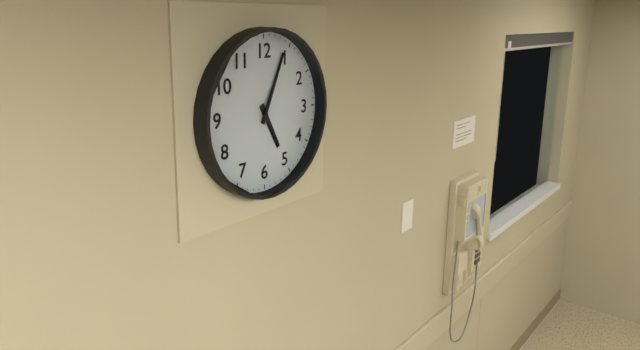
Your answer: 5 h 04 min
